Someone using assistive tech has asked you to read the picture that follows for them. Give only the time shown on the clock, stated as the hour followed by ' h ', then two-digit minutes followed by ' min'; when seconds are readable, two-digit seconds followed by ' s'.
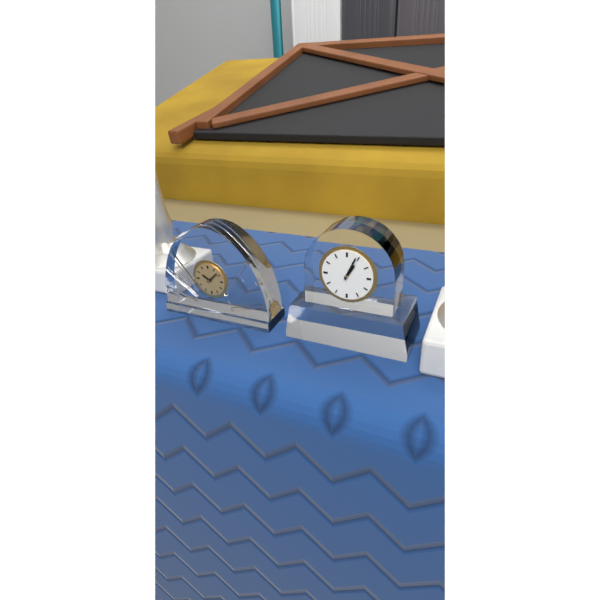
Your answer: 1 h 04 min
